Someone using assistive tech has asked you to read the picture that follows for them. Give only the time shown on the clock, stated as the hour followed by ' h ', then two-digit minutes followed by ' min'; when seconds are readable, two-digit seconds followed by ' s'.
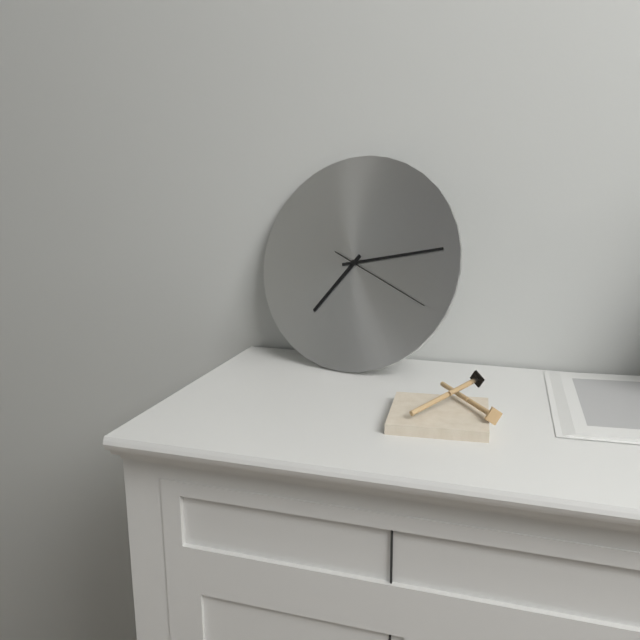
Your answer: 7 h 13 min 19 s
